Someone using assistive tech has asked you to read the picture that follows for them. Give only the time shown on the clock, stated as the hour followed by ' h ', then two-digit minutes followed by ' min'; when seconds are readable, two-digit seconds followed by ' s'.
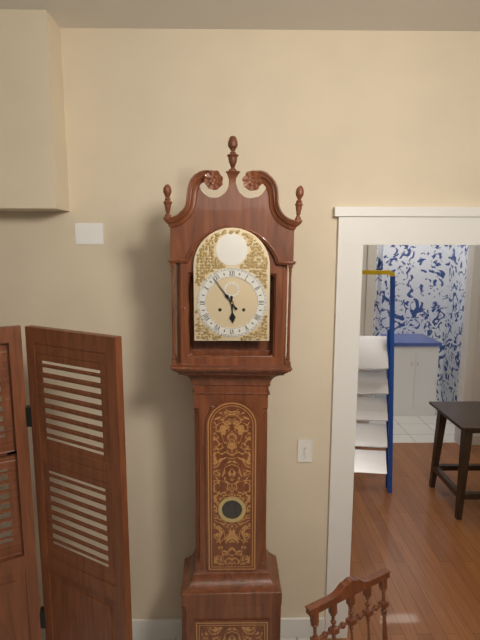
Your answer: 5 h 54 min
